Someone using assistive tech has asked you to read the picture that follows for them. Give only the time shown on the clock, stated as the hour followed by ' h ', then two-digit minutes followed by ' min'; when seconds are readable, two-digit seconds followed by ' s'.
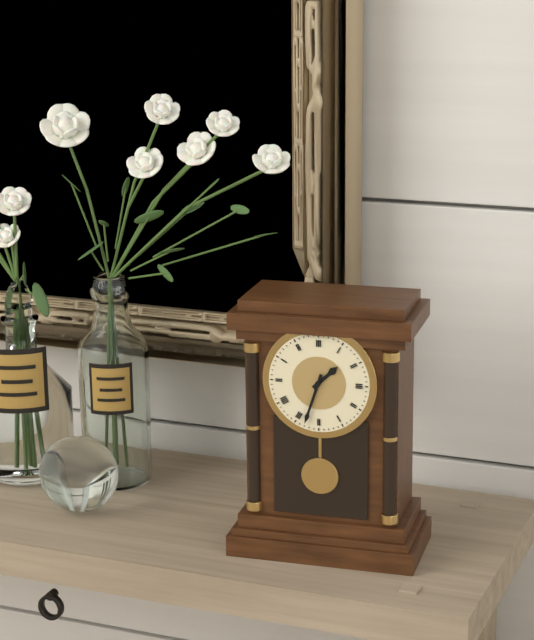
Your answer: 1 h 33 min
